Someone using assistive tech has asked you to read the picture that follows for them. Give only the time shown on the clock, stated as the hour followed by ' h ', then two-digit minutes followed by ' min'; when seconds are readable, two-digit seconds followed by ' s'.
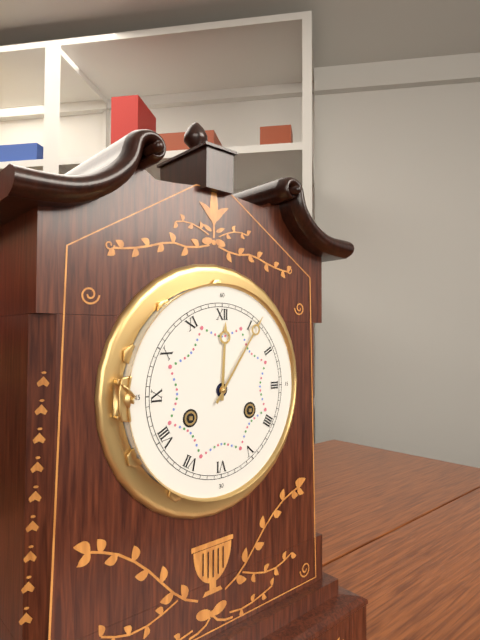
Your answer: 12 h 06 min
